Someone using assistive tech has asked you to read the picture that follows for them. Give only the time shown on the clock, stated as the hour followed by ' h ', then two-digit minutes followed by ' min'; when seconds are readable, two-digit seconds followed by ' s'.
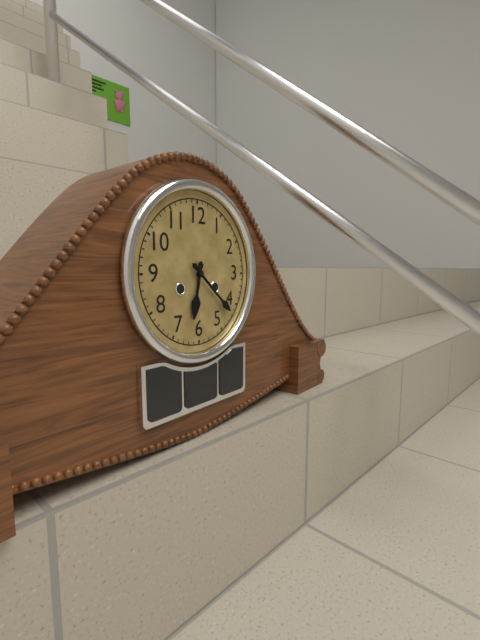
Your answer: 6 h 22 min
